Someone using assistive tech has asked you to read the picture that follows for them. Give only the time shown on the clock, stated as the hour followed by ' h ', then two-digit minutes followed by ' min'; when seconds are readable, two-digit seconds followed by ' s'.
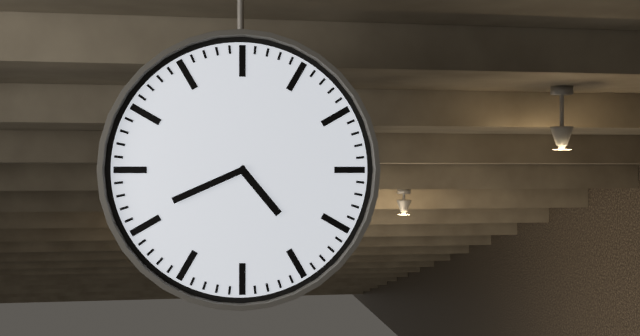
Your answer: 4 h 41 min
